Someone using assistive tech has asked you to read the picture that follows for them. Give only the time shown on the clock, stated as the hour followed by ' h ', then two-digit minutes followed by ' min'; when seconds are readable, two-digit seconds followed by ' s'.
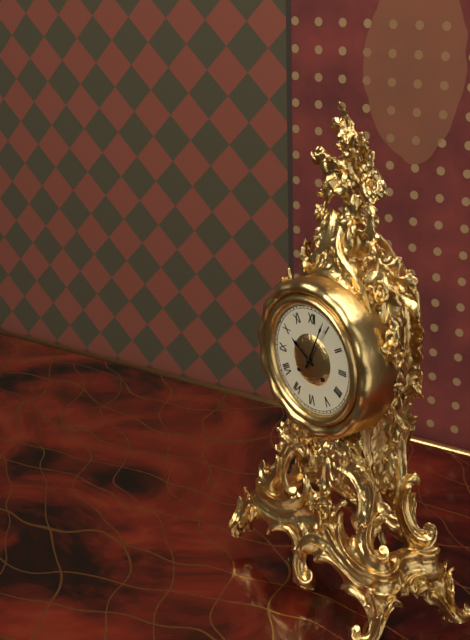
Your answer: 10 h 04 min
